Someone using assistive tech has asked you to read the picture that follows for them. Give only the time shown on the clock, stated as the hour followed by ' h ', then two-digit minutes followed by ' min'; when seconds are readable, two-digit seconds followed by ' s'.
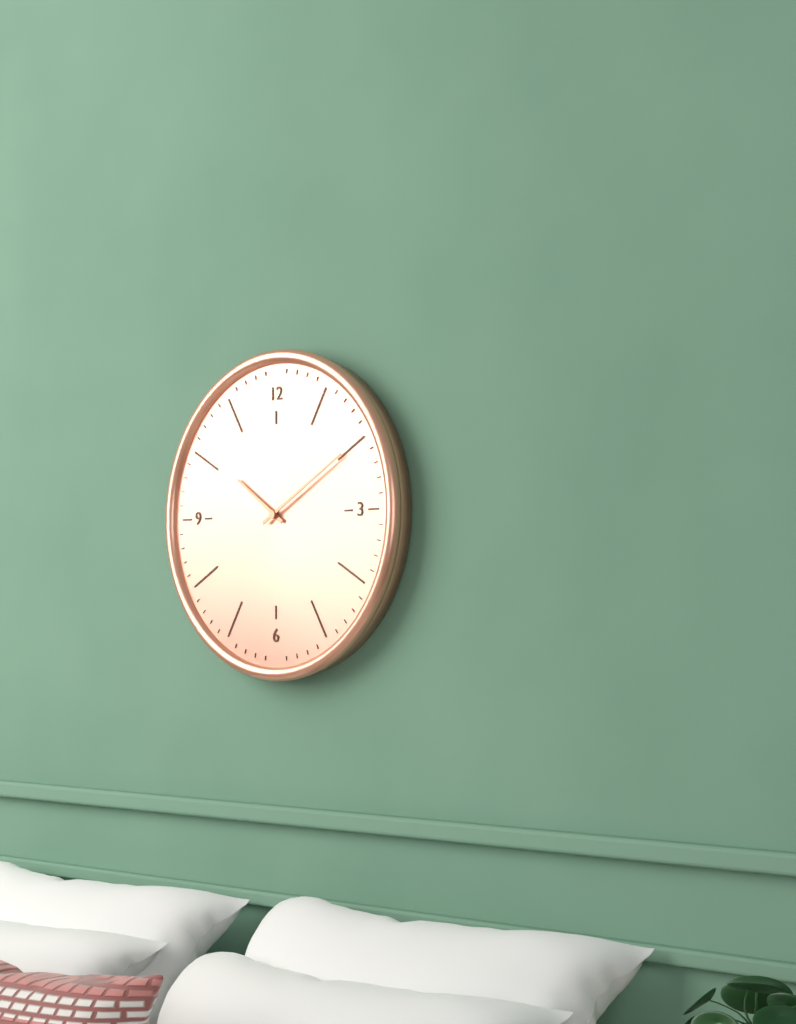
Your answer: 10 h 10 min
